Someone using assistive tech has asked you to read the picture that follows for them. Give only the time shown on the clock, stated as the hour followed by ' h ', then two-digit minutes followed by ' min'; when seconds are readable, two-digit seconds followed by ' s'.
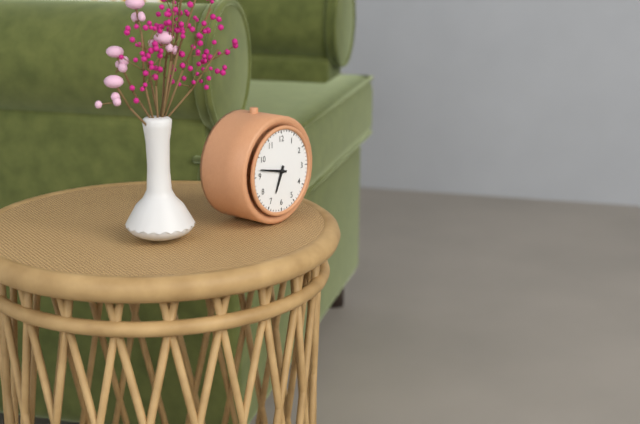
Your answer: 6 h 47 min
